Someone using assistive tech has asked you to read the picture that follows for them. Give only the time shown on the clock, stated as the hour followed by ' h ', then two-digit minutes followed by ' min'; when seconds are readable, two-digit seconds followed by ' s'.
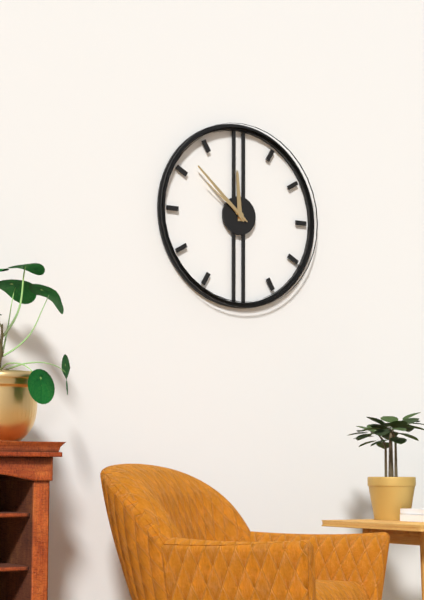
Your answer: 11 h 52 min 51 s
